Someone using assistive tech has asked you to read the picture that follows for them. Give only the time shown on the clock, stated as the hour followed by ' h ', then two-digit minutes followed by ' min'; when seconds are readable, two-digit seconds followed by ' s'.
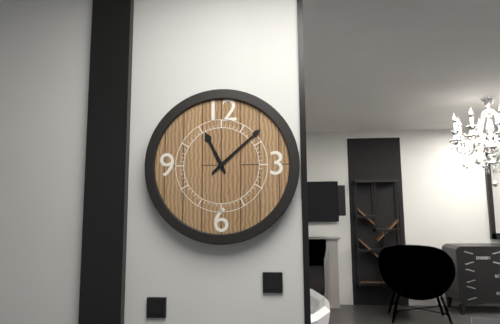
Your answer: 11 h 08 min
